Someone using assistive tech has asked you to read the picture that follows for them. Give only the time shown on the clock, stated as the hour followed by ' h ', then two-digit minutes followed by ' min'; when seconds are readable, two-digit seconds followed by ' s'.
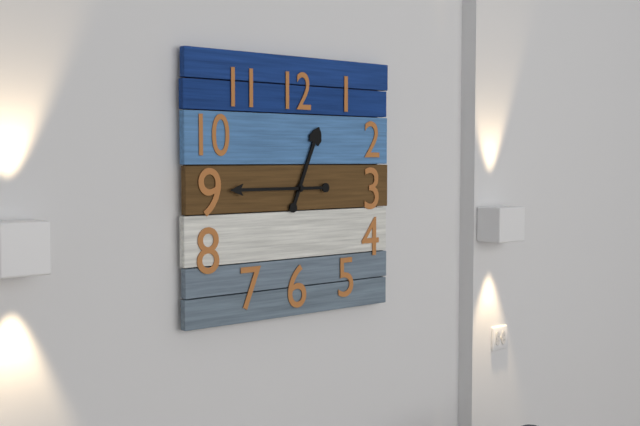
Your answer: 12 h 45 min
